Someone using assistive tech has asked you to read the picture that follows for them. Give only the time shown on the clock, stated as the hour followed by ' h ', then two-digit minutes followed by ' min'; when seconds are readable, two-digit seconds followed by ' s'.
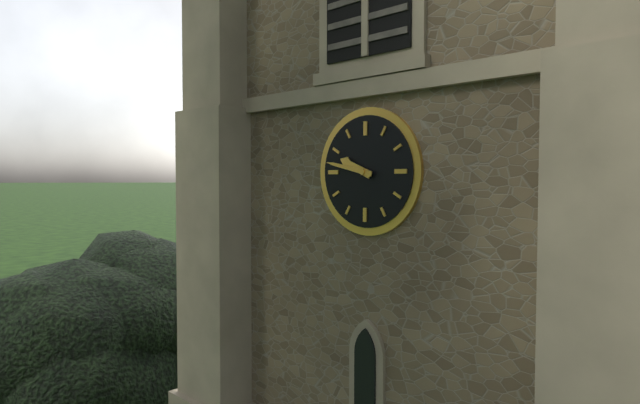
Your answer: 9 h 47 min
